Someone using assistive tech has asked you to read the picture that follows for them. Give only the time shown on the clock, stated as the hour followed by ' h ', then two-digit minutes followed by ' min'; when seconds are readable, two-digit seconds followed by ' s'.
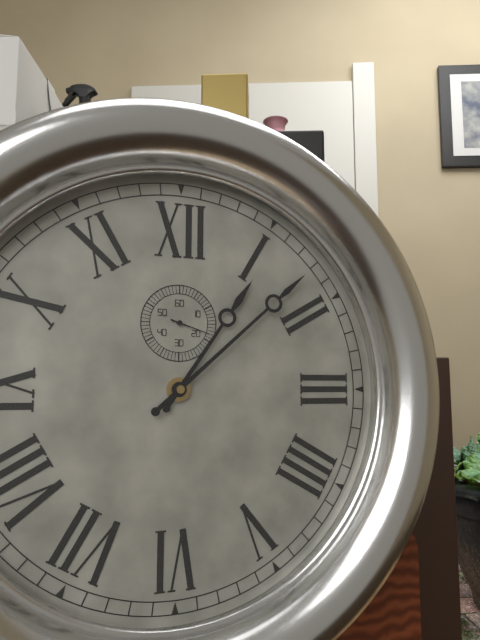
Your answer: 1 h 08 min
